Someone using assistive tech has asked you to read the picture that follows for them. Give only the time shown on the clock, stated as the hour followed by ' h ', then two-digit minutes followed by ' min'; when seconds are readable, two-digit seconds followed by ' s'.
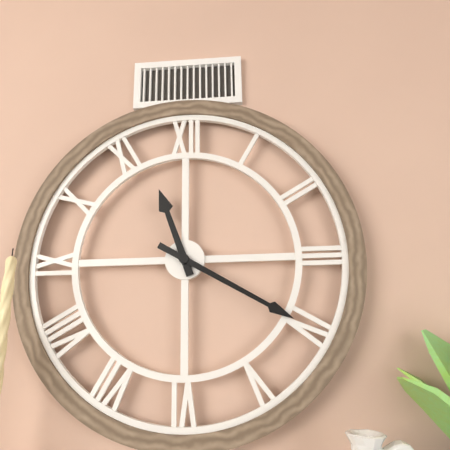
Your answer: 11 h 20 min
